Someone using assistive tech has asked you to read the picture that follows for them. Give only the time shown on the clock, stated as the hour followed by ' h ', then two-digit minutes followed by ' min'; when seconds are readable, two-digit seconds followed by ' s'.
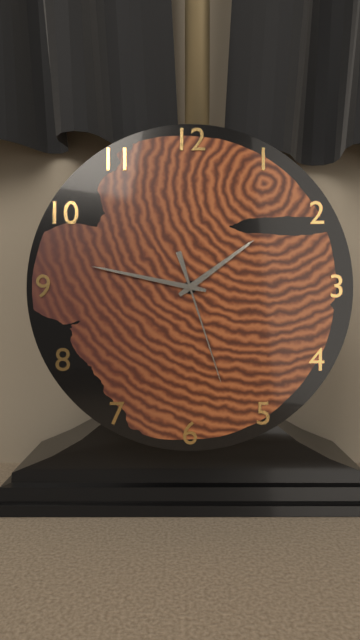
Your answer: 1 h 47 min 27 s
